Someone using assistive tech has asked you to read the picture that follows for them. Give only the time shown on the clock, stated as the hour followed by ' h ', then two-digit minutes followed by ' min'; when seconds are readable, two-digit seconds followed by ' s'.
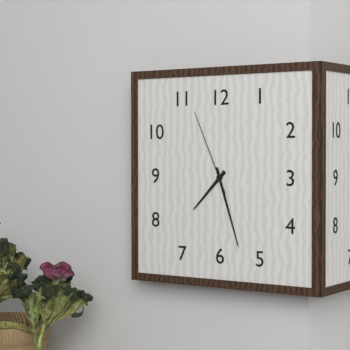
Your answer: 7 h 27 min 56 s
